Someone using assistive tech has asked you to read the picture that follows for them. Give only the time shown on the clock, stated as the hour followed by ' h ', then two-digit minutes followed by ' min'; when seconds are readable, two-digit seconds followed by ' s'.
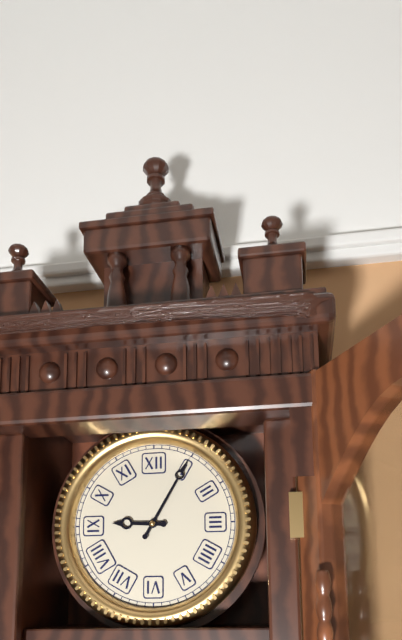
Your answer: 9 h 05 min
